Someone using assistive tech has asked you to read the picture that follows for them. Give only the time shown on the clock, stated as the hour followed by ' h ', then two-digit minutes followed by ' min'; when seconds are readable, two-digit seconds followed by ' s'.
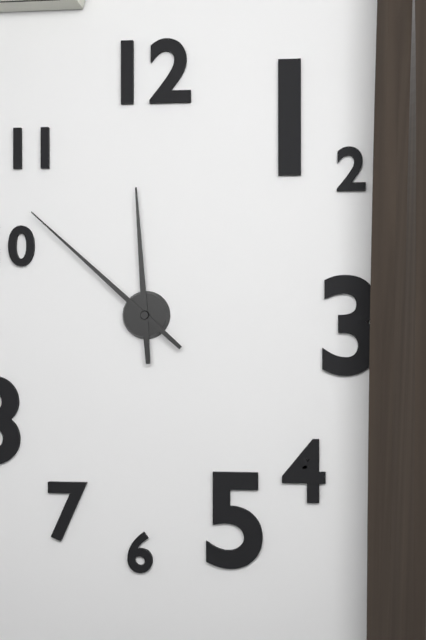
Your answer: 11 h 52 min
